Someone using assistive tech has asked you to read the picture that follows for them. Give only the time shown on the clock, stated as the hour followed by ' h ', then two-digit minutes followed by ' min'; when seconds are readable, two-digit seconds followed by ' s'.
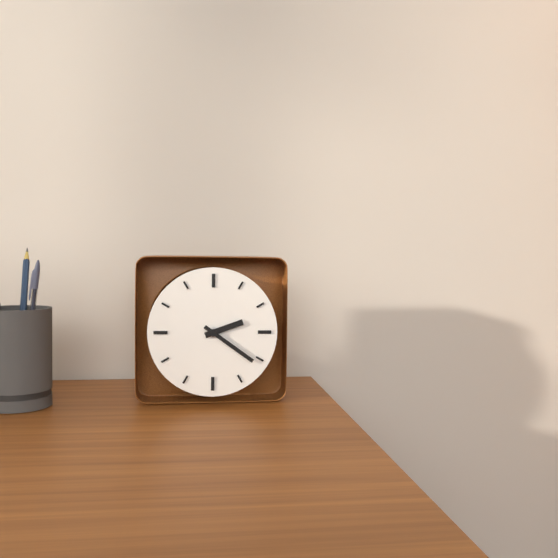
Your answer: 2 h 21 min
